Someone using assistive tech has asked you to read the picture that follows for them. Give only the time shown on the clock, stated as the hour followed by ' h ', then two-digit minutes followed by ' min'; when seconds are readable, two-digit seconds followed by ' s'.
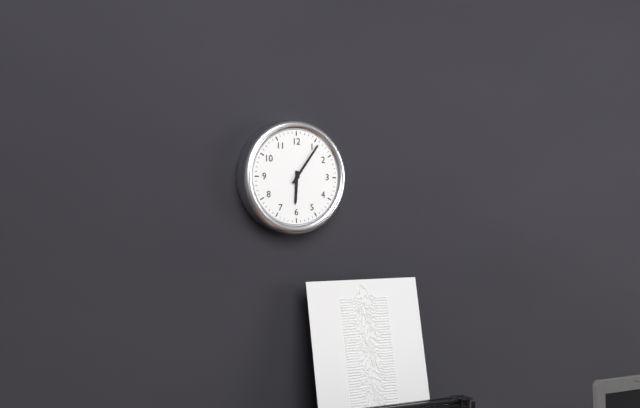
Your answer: 6 h 06 min
